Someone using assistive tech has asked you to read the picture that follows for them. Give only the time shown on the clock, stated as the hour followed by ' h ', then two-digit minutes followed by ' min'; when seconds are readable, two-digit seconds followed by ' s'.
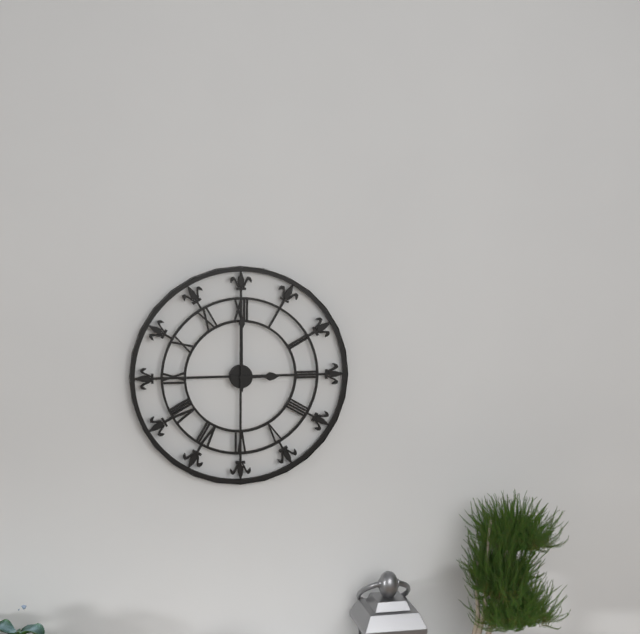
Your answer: 3 h 00 min
